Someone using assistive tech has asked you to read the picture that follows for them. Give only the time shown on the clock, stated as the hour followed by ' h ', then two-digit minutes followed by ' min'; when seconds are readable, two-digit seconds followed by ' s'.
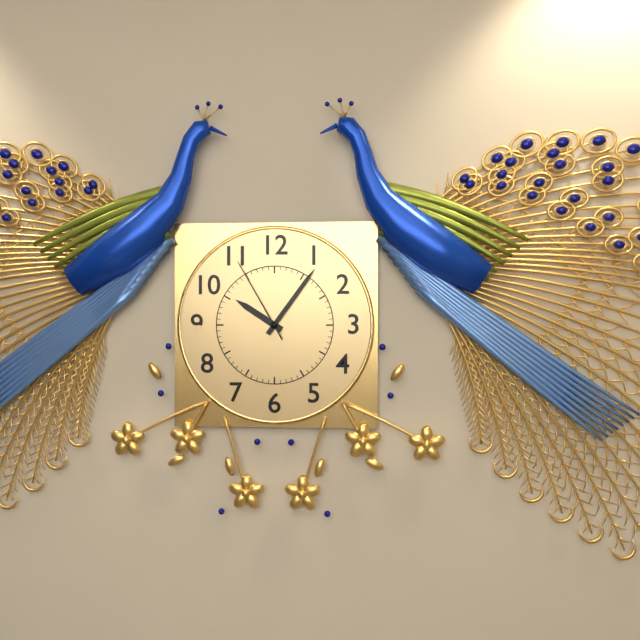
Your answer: 10 h 06 min 55 s
